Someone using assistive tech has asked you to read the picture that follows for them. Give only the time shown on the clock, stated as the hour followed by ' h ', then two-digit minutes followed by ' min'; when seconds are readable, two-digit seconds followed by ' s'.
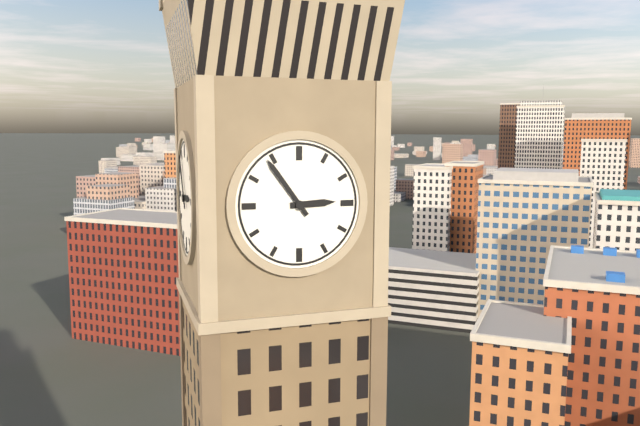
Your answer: 2 h 54 min
